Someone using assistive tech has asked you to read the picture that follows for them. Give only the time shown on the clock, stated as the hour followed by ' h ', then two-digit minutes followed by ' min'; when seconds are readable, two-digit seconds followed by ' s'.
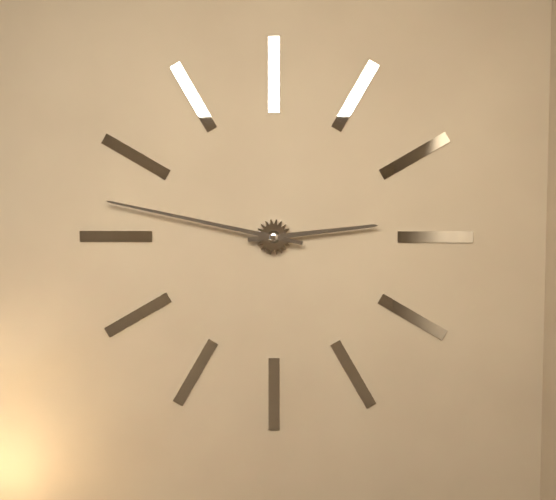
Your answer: 2 h 47 min
